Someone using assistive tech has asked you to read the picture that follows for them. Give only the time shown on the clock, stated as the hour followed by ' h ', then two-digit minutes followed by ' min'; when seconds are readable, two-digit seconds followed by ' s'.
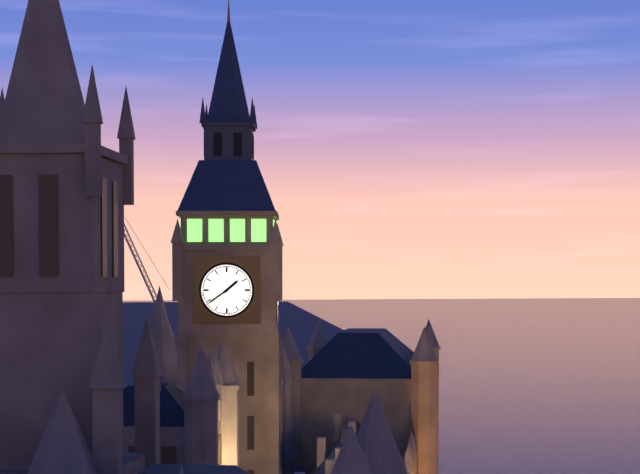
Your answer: 1 h 39 min
